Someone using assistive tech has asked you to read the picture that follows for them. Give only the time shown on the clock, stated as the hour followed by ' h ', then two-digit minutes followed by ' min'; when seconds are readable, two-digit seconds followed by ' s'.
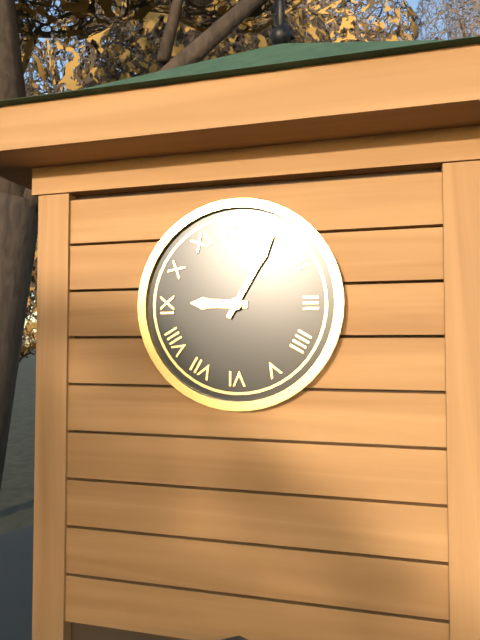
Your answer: 9 h 05 min
